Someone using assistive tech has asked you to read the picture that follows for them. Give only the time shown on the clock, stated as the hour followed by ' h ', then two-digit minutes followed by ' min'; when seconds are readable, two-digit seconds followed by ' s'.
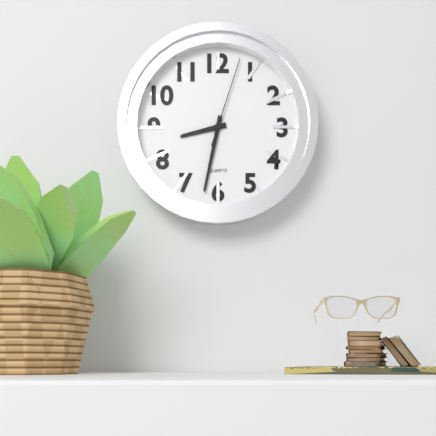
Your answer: 8 h 32 min 03 s
